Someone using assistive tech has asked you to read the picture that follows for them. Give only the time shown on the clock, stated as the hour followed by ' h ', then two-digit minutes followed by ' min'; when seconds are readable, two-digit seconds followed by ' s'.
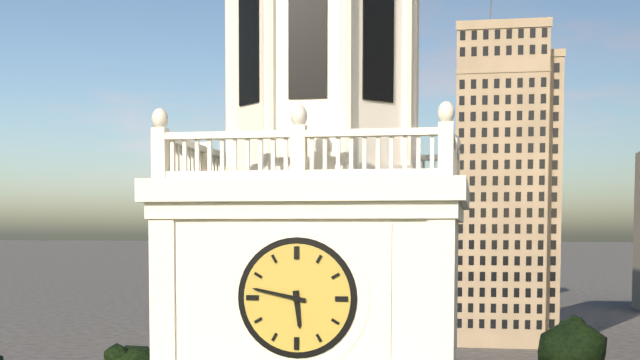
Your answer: 5 h 47 min
